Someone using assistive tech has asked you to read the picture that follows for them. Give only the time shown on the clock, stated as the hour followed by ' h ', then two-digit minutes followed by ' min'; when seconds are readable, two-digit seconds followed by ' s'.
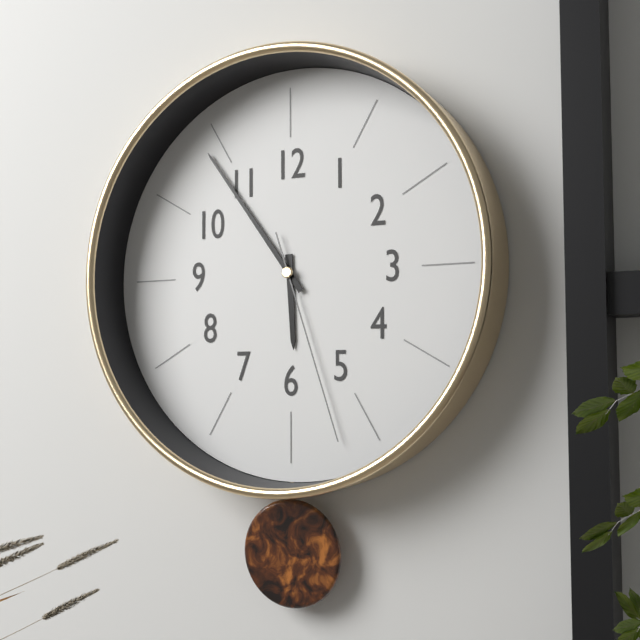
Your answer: 5 h 54 min 27 s
